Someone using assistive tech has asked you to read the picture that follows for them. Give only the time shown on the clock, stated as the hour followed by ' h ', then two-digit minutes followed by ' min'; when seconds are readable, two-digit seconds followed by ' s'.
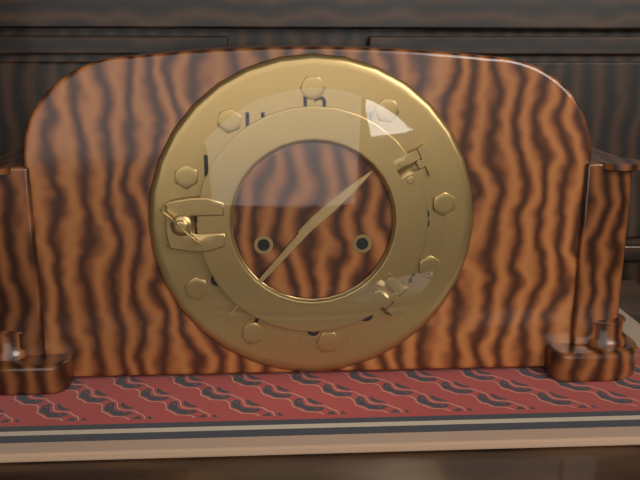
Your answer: 1 h 37 min
